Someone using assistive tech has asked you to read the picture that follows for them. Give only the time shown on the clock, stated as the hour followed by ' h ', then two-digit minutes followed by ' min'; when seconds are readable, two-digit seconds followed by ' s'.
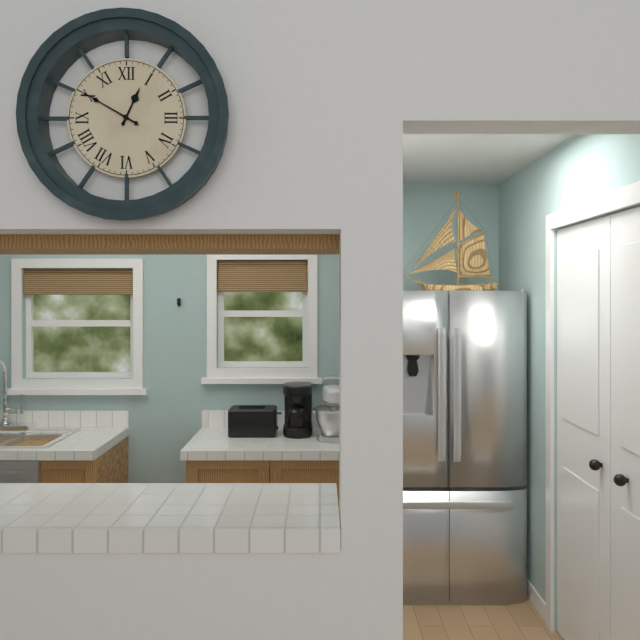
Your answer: 12 h 50 min
